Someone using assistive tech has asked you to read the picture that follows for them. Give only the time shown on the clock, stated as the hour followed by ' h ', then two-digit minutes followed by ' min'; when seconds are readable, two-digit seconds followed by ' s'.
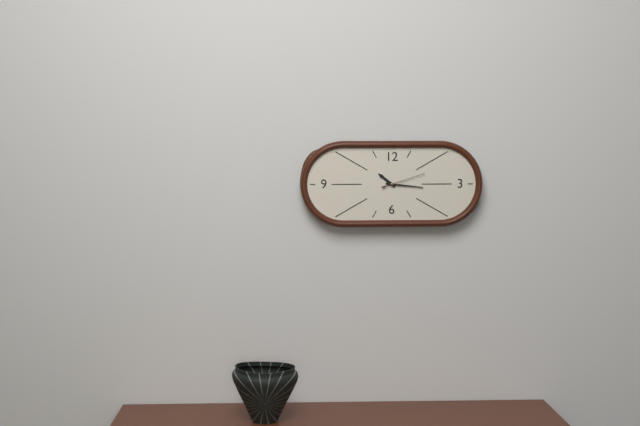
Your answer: 10 h 16 min
